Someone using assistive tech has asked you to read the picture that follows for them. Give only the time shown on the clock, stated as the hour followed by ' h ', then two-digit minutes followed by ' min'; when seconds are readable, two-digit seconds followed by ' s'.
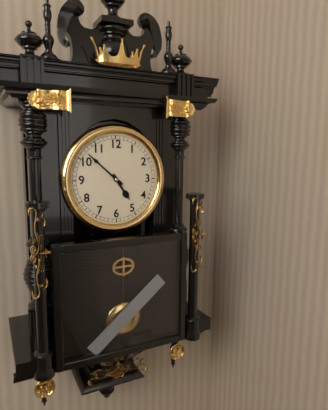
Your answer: 4 h 52 min
